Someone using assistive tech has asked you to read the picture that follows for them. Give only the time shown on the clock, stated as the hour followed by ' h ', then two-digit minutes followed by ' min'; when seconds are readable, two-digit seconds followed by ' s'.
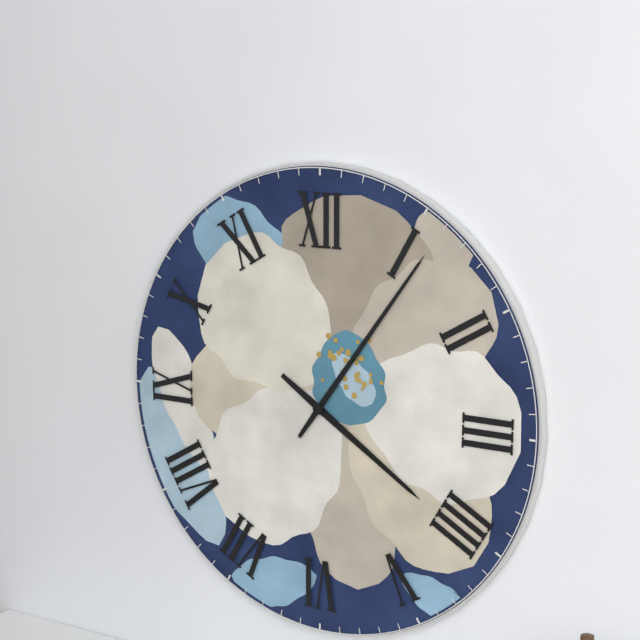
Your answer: 4 h 06 min
